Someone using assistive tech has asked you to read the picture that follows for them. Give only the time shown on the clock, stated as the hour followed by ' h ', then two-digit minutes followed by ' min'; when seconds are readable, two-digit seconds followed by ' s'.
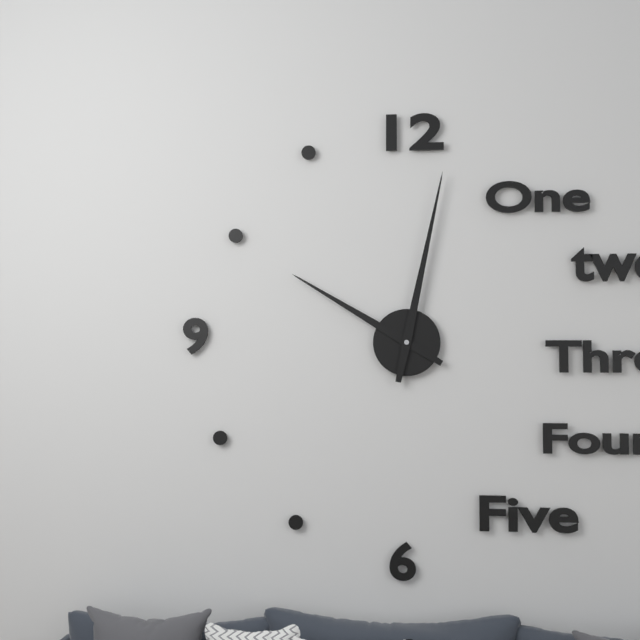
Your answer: 10 h 02 min
